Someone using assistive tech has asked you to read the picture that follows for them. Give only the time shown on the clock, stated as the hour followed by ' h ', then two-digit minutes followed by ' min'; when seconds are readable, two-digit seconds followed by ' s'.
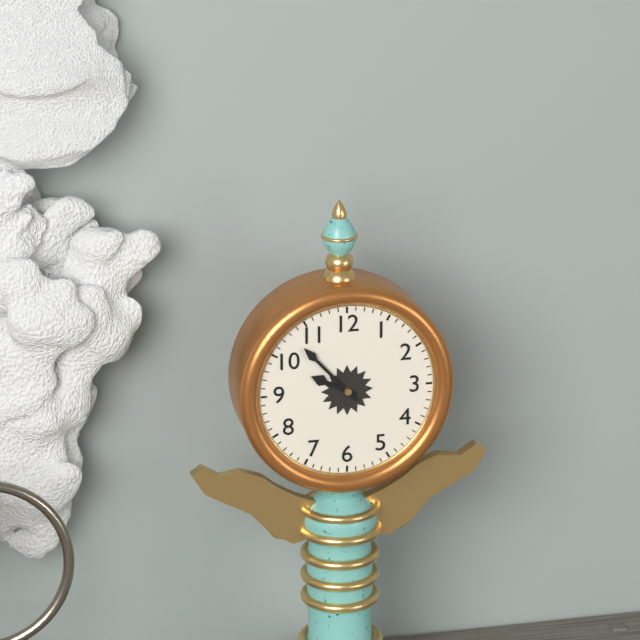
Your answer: 9 h 53 min
